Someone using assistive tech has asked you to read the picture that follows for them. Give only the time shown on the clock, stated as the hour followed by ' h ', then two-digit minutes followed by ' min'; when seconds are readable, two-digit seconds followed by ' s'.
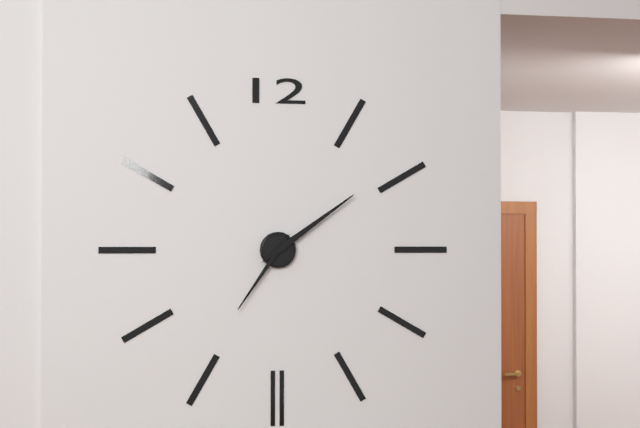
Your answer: 7 h 09 min
